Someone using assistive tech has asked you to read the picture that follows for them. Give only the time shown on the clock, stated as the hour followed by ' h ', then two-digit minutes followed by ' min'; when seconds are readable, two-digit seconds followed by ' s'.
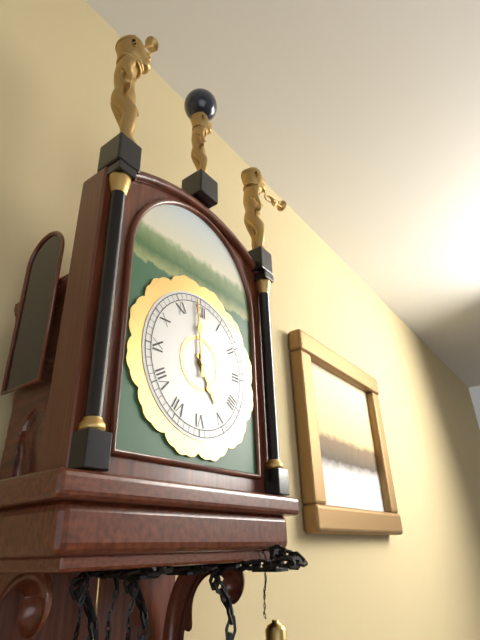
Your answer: 4 h 59 min
